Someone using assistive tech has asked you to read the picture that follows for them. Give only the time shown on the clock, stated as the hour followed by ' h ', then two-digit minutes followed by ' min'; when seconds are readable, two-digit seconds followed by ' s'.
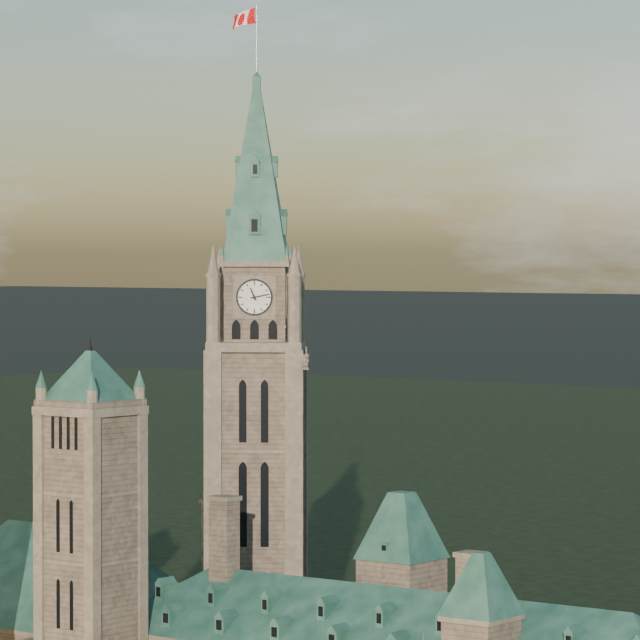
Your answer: 11 h 13 min
